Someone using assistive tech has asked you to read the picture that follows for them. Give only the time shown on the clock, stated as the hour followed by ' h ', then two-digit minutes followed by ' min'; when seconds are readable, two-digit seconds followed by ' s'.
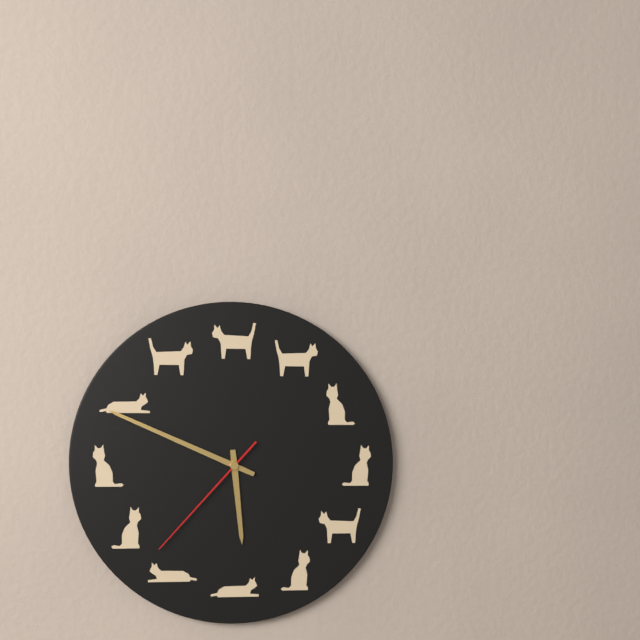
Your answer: 5 h 49 min 37 s
